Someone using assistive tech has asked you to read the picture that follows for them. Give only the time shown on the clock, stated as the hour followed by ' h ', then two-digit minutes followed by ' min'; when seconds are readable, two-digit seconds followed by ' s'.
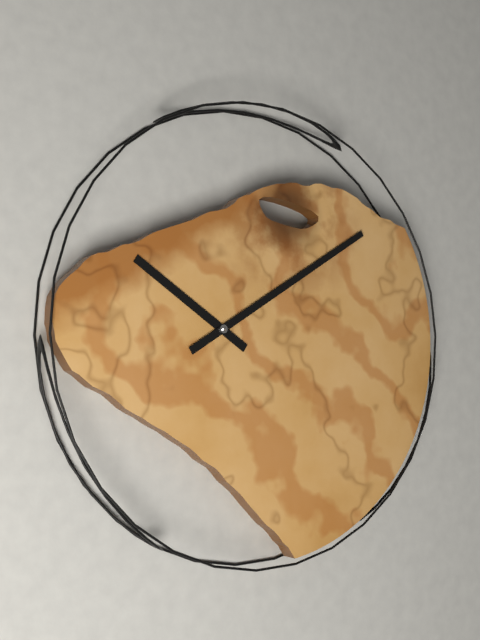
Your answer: 10 h 10 min
